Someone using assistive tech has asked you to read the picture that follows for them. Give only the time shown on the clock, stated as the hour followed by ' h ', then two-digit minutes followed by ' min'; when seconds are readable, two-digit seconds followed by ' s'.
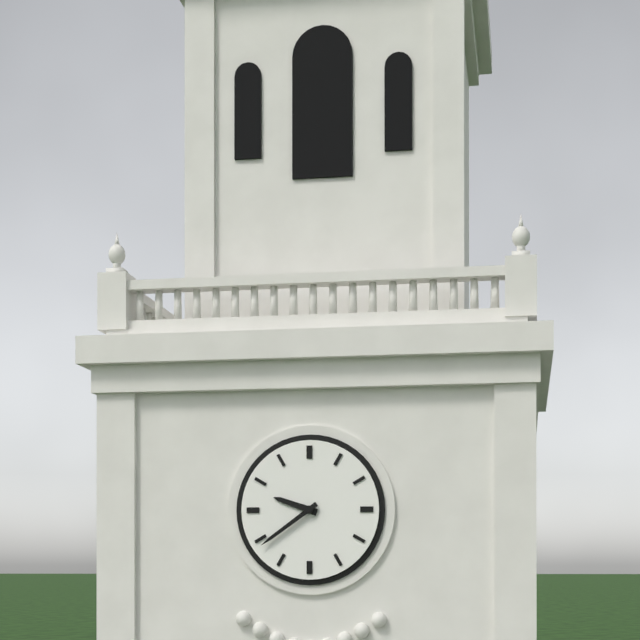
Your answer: 9 h 39 min
